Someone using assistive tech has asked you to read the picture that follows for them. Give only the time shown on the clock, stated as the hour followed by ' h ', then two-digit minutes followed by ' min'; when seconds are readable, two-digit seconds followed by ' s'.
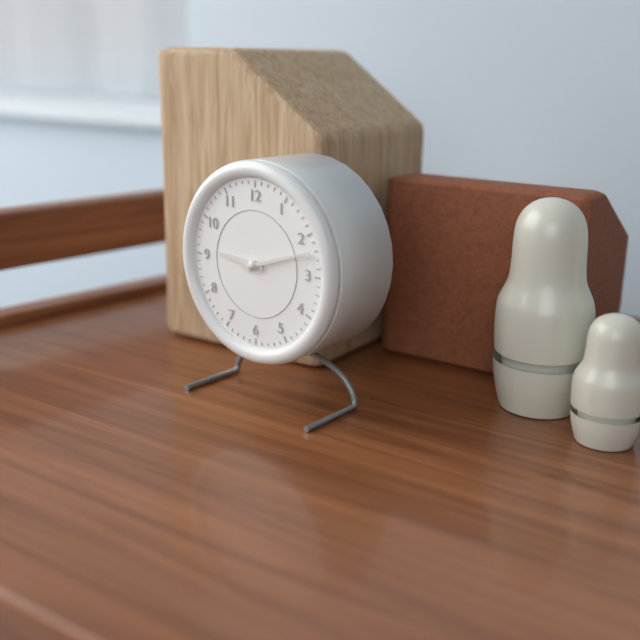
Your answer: 9 h 12 min
